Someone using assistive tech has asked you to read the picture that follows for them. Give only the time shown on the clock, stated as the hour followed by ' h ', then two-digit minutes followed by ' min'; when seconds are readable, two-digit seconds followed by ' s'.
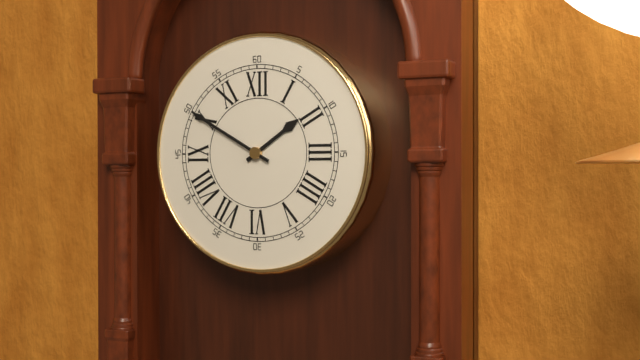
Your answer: 1 h 50 min
